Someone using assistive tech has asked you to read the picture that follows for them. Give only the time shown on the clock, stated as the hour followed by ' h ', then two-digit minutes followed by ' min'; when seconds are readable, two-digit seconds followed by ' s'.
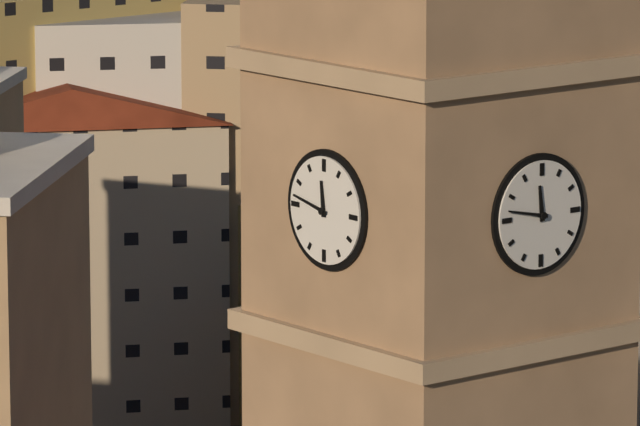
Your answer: 11 h 47 min
